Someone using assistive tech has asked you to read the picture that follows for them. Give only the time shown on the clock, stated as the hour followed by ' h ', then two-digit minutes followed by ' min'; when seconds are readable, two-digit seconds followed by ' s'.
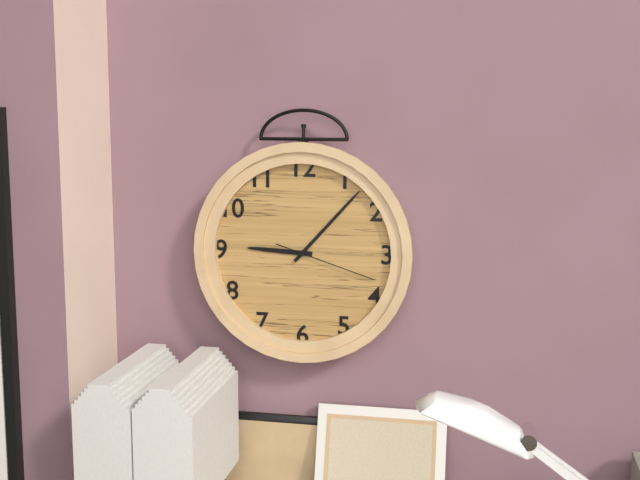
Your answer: 9 h 07 min 18 s
